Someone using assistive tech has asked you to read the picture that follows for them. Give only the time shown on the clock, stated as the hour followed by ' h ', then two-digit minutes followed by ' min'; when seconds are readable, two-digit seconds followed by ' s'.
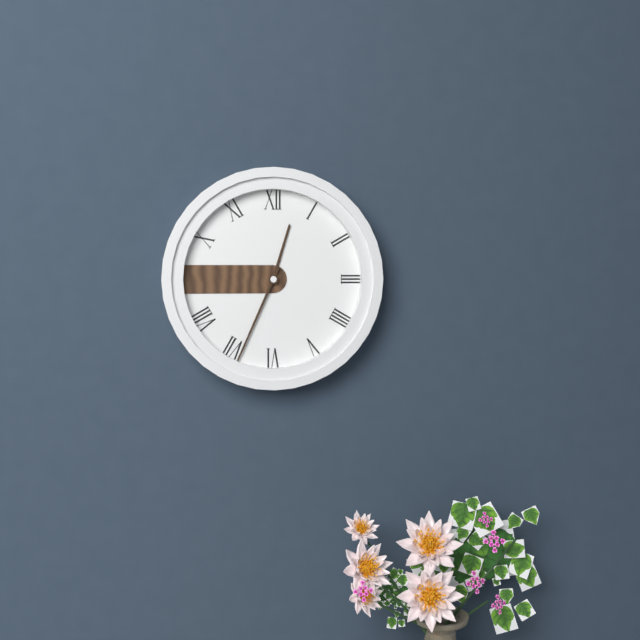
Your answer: 12 h 34 min
